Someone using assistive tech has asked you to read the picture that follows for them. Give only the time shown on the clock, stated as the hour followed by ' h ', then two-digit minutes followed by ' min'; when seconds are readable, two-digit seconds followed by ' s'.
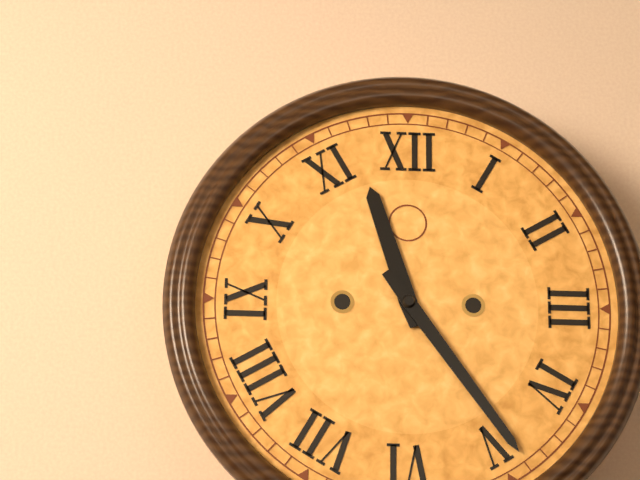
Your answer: 11 h 24 min
